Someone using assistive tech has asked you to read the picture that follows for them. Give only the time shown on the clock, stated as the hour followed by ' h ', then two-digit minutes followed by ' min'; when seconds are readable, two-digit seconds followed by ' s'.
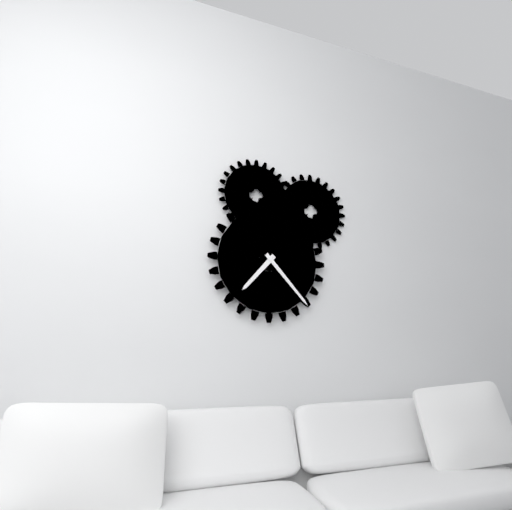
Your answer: 7 h 23 min
